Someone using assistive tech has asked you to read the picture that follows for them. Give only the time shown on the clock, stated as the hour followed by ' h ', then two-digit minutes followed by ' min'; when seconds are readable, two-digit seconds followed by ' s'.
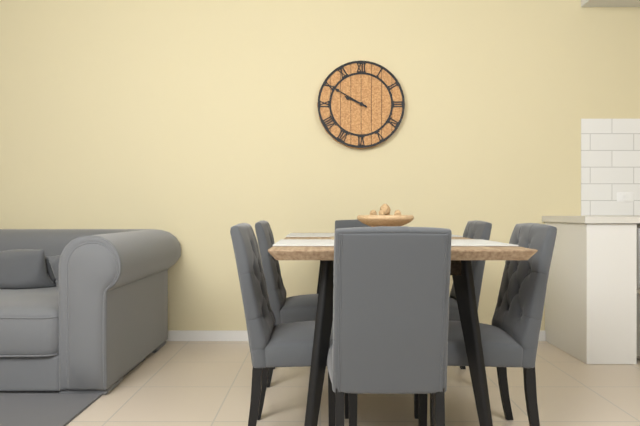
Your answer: 9 h 50 min
